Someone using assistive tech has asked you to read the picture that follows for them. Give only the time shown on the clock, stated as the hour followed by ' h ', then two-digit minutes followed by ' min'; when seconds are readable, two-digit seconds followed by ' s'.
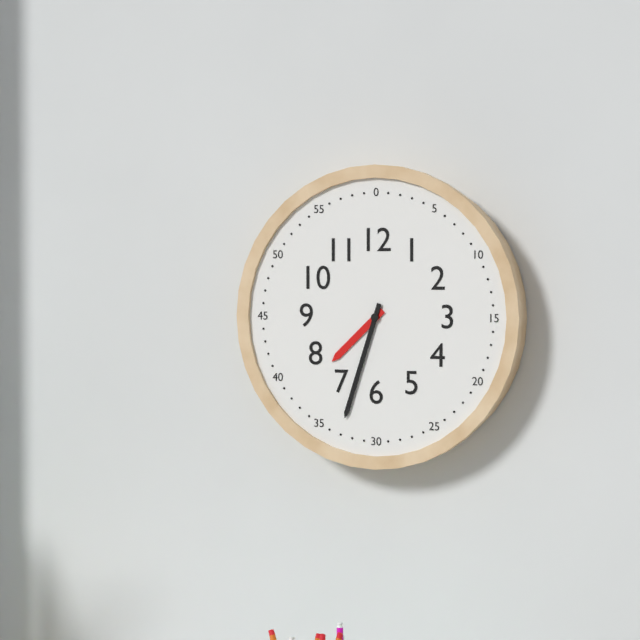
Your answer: 7 h 33 min
